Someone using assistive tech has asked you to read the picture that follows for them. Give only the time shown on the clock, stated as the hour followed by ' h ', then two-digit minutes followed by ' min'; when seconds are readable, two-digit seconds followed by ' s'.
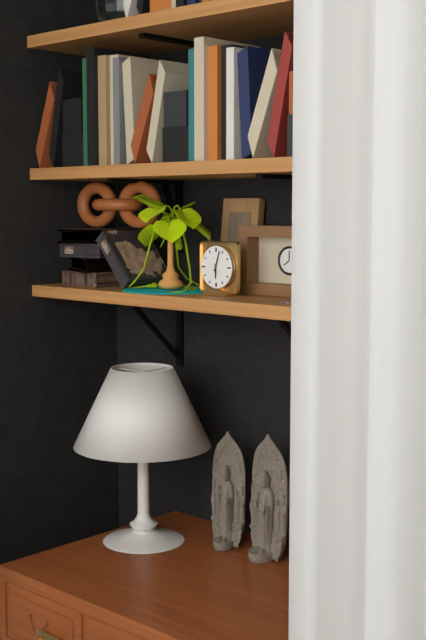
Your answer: 6 h 03 min
